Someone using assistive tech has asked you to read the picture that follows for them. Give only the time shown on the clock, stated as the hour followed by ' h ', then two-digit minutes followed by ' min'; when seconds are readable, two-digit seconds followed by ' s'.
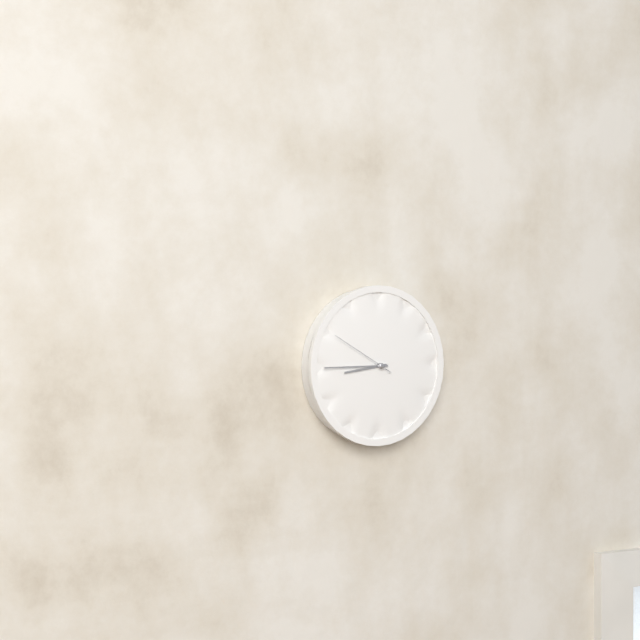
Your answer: 8 h 45 min 50 s
